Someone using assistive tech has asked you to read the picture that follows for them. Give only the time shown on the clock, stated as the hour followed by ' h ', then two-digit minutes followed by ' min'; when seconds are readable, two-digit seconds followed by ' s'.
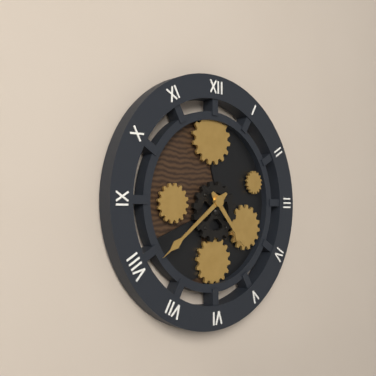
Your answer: 4 h 39 min
